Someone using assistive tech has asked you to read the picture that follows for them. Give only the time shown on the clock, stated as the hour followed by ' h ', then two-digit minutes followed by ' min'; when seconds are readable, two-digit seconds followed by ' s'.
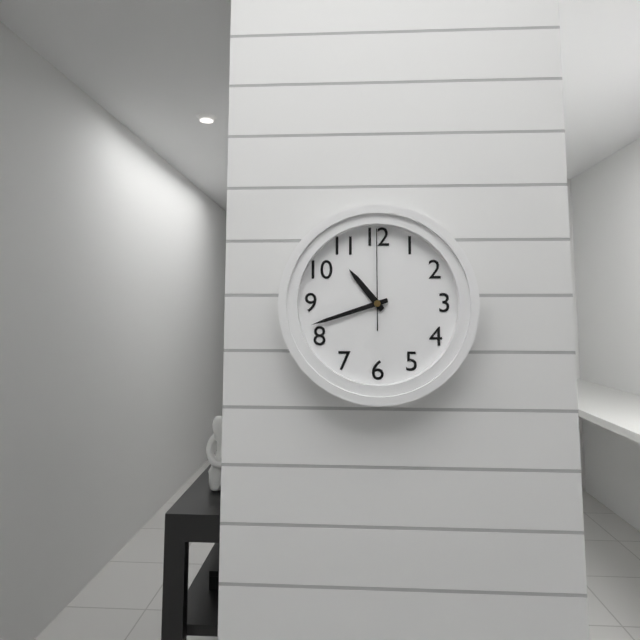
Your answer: 10 h 42 min 00 s
